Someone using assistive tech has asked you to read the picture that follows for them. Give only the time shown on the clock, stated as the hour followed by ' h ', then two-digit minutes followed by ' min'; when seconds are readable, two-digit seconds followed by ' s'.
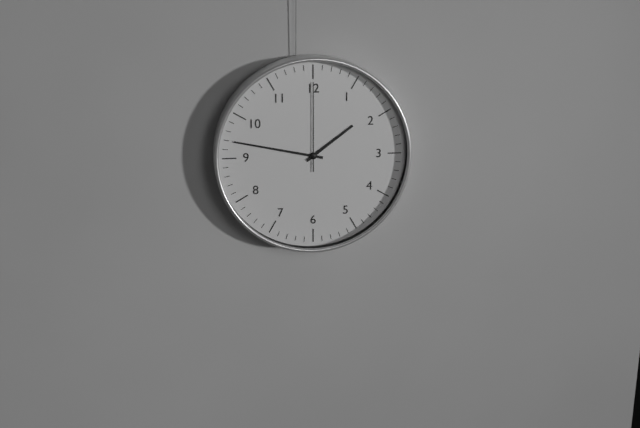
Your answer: 1 h 47 min 00 s
